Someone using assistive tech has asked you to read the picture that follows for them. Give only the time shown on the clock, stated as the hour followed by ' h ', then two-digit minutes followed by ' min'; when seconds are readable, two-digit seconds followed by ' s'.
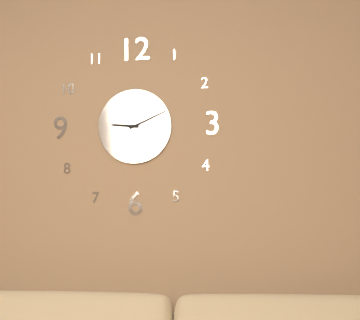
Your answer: 9 h 11 min
